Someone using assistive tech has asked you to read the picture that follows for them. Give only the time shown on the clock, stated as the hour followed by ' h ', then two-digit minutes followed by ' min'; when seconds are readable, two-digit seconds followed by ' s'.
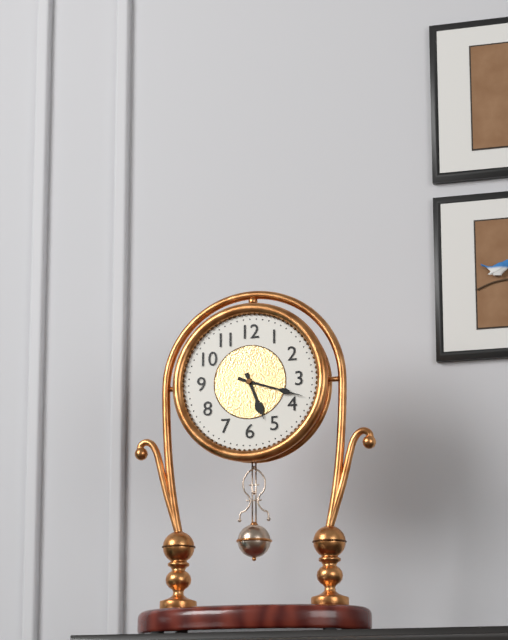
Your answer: 5 h 18 min
